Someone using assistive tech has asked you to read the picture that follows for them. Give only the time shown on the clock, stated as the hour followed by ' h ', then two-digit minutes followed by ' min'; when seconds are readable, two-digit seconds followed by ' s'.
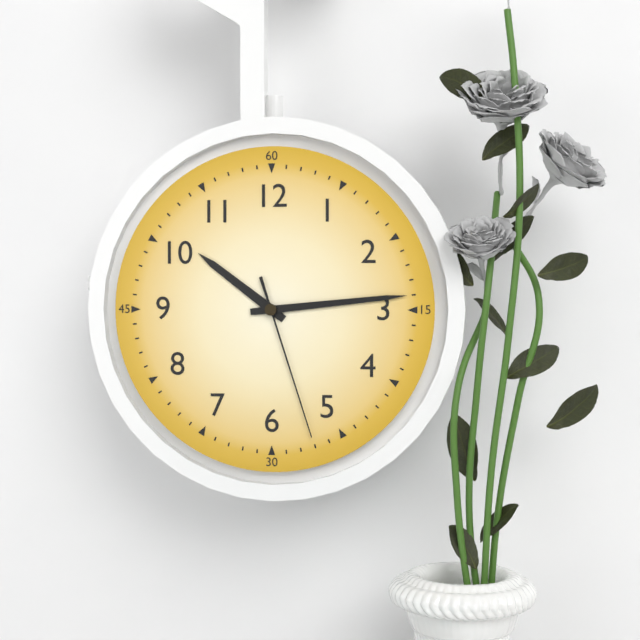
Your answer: 10 h 14 min 27 s
